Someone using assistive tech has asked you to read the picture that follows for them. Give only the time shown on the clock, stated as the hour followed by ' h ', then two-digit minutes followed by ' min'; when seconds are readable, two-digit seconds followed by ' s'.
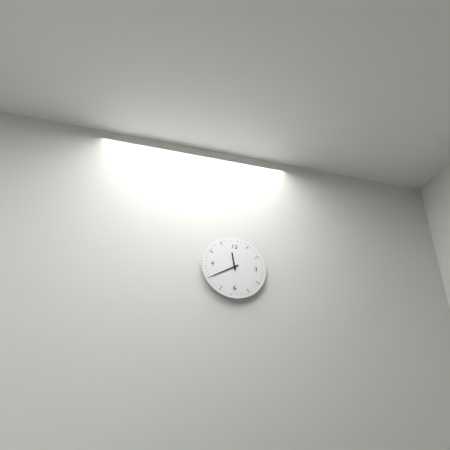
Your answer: 11 h 40 min
